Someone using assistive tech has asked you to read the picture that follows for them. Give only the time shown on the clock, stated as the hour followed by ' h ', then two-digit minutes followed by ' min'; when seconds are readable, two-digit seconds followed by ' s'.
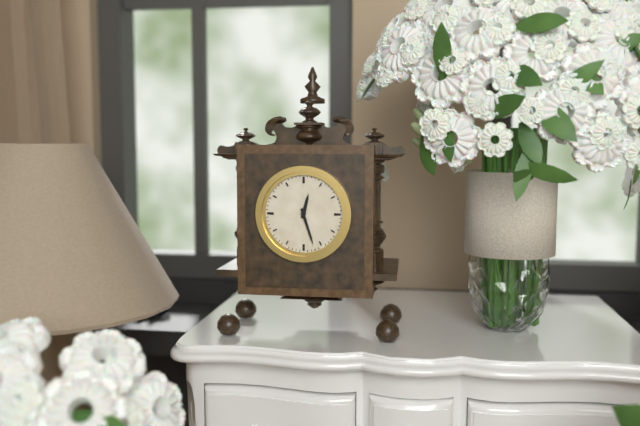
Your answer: 12 h 27 min
